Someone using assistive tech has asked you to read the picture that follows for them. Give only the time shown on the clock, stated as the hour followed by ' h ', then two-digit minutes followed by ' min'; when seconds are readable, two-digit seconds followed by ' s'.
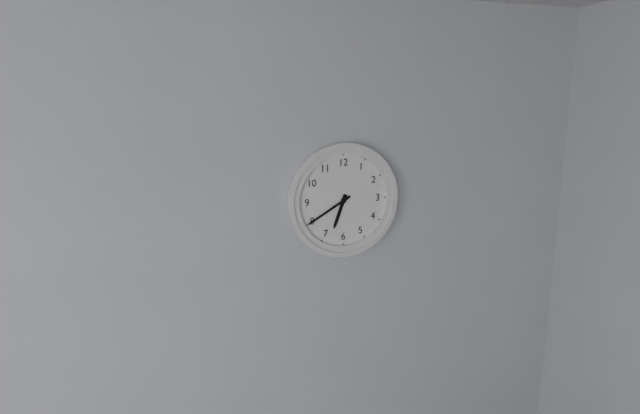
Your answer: 6 h 40 min
